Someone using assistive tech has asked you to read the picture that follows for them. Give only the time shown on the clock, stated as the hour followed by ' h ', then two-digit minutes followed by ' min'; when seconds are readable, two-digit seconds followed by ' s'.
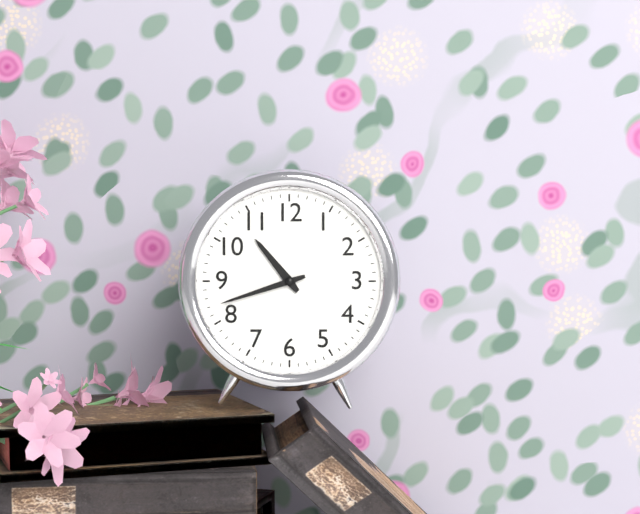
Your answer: 10 h 42 min
